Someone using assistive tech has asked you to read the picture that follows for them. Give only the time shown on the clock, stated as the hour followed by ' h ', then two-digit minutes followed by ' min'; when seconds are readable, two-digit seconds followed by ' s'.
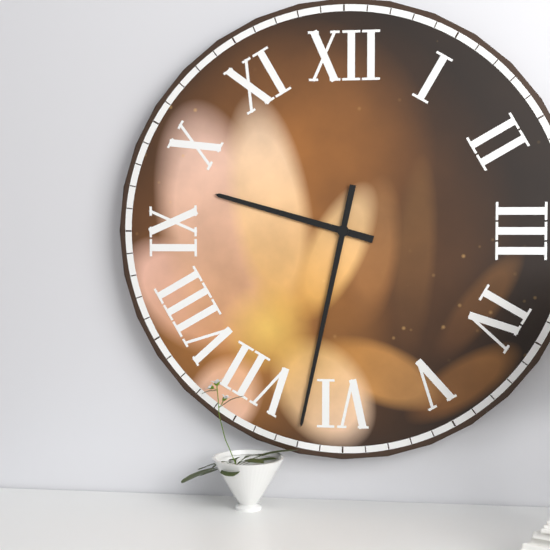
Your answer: 9 h 32 min
